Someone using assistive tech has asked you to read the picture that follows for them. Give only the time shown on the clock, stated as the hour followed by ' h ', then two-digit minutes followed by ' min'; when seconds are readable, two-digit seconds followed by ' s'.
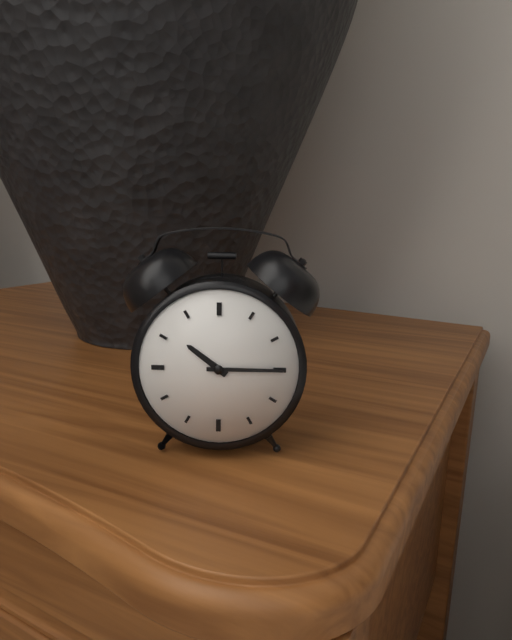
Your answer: 10 h 15 min
